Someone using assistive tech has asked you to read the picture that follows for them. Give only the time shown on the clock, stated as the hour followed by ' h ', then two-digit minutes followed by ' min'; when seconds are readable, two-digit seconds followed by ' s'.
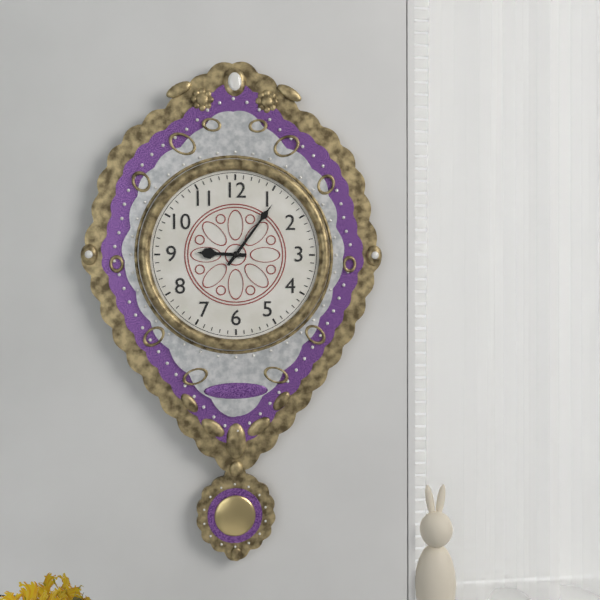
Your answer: 9 h 06 min
